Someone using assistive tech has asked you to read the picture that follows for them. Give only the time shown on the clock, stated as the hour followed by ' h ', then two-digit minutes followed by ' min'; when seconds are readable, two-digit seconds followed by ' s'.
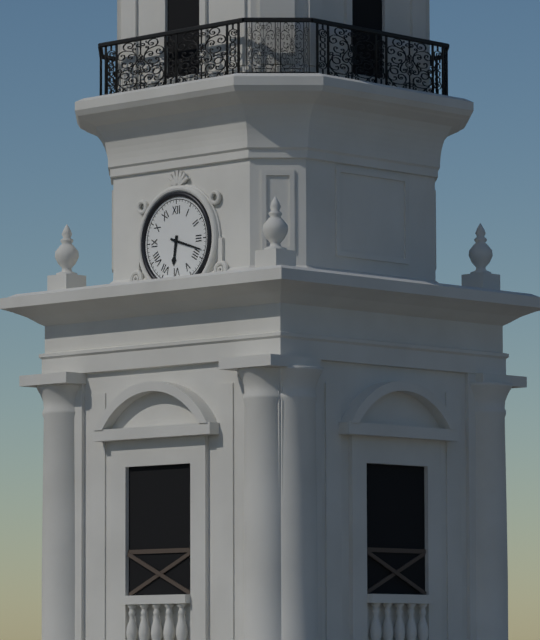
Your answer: 6 h 18 min
